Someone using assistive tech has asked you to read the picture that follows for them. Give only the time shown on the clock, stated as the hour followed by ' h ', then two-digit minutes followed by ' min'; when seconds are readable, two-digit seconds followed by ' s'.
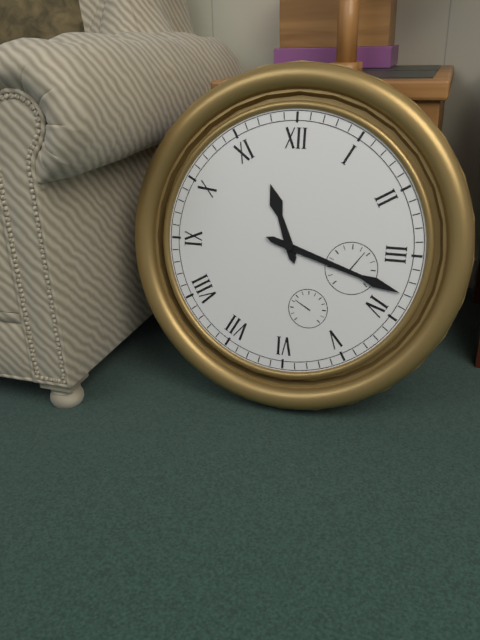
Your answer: 11 h 18 min
